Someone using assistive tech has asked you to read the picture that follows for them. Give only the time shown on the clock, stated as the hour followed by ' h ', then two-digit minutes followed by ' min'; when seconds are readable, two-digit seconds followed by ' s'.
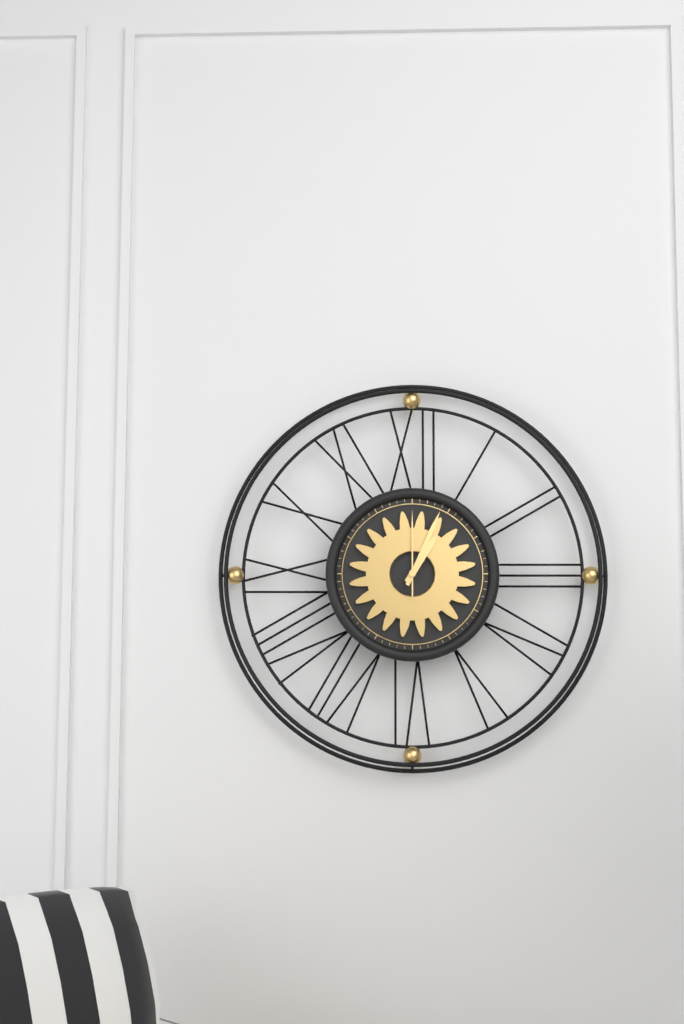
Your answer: 1 h 04 min 00 s
